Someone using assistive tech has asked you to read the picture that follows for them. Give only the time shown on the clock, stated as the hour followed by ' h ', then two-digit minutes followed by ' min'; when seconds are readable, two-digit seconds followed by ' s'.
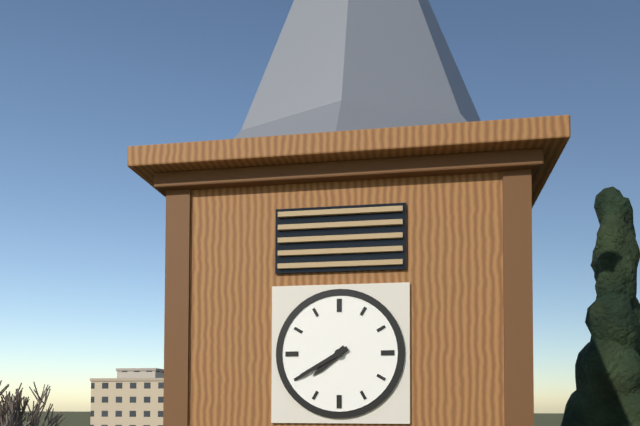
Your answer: 7 h 40 min
